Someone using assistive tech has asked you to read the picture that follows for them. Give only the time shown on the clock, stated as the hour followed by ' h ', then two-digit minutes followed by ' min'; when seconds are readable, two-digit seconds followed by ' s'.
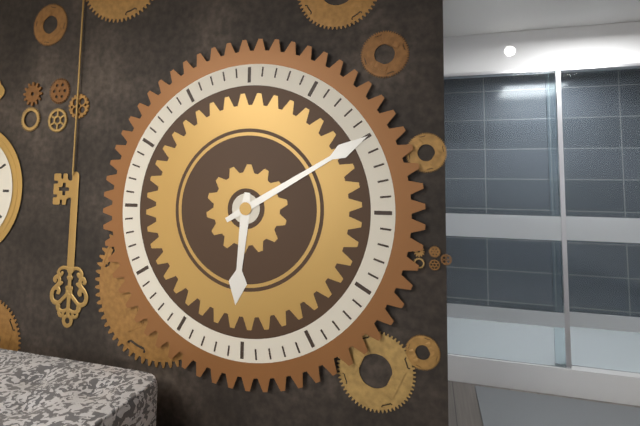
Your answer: 6 h 10 min
